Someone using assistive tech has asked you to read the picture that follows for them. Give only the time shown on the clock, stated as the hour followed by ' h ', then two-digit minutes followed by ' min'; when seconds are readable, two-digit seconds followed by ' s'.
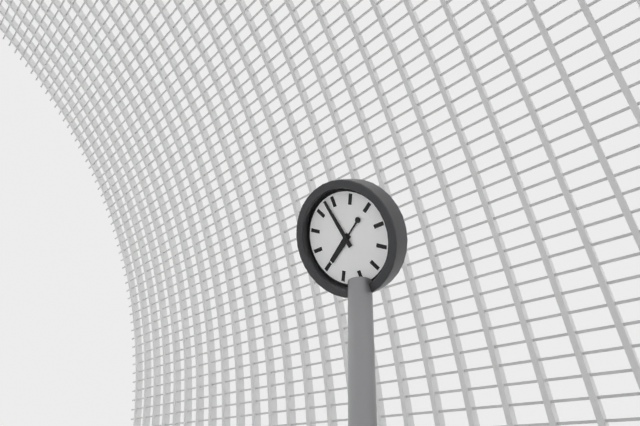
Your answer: 7 h 58 min
